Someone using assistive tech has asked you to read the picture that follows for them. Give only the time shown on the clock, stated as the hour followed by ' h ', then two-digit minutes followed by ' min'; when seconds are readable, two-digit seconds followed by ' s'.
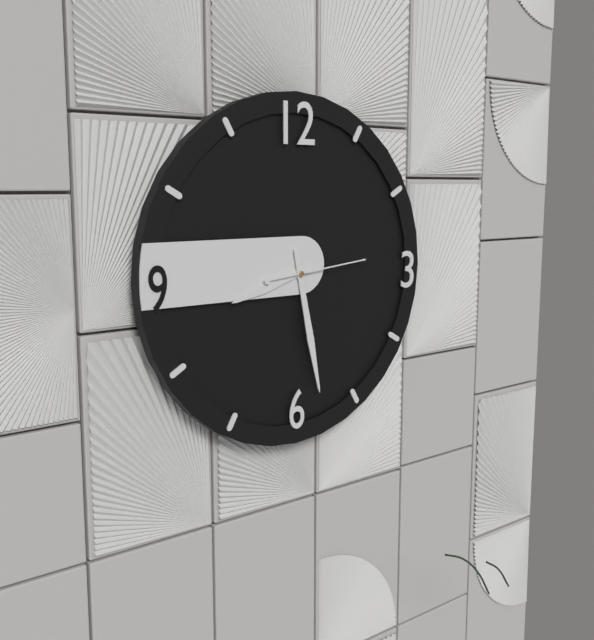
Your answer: 8 h 28 min 14 s
